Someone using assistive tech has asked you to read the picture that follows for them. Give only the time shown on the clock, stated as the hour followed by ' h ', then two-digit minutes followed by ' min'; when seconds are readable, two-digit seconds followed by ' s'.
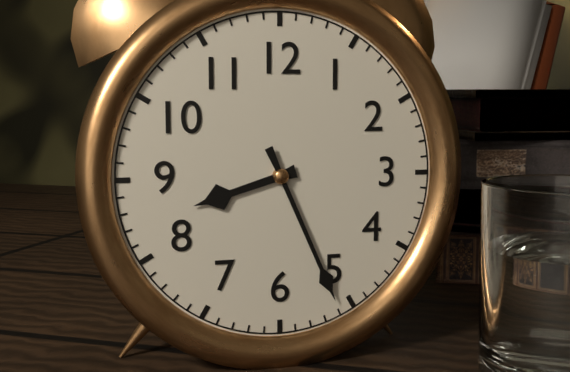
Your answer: 8 h 26 min
